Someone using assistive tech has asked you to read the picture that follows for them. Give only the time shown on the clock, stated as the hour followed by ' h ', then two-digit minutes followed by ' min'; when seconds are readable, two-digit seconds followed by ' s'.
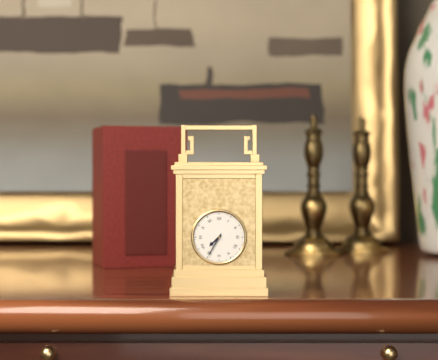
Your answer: 7 h 35 min
